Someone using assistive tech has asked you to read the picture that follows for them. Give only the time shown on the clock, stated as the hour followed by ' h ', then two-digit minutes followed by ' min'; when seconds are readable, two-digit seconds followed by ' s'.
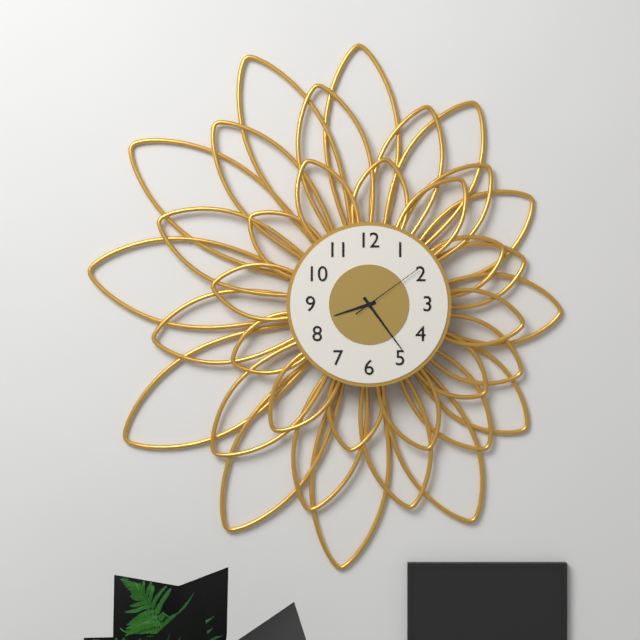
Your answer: 8 h 24 min 09 s
